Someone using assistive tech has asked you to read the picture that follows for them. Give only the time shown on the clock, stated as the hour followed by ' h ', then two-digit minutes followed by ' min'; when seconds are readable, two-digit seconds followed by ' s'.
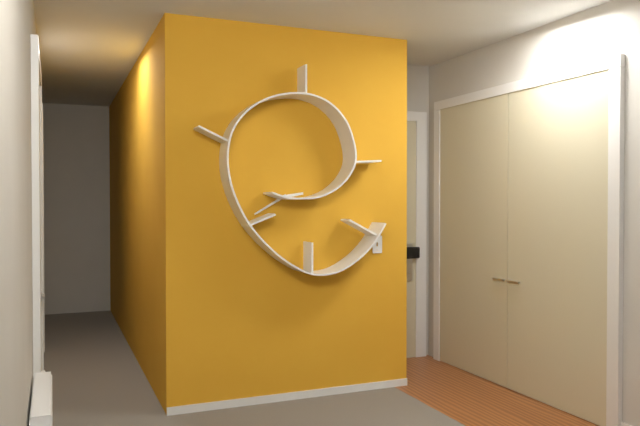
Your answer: 2 h 40 min
